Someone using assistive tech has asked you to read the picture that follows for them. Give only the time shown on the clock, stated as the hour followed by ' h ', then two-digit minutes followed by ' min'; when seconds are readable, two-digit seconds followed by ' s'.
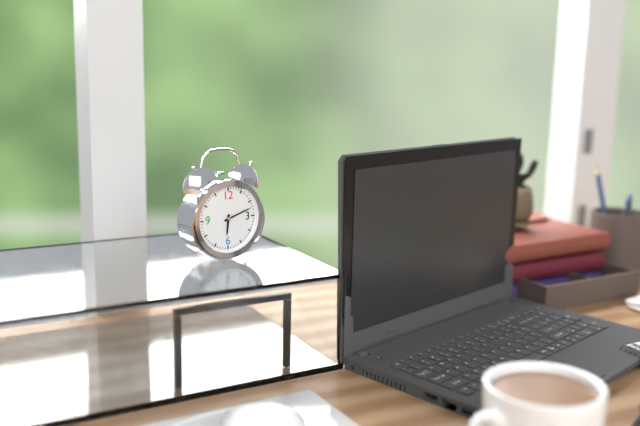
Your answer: 6 h 12 min
